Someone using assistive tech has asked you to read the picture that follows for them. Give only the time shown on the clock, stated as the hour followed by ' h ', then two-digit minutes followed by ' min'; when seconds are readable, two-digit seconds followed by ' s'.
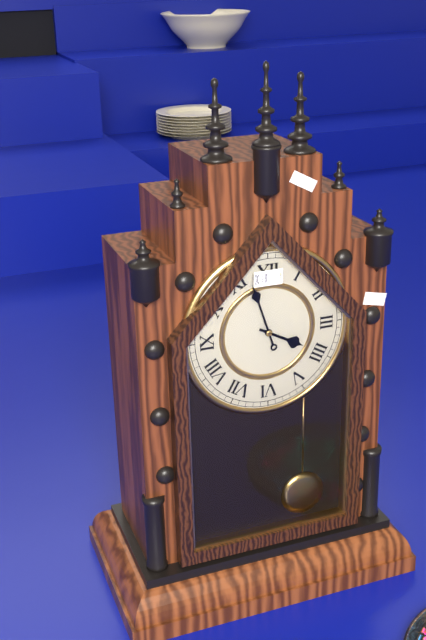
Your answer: 3 h 57 min
